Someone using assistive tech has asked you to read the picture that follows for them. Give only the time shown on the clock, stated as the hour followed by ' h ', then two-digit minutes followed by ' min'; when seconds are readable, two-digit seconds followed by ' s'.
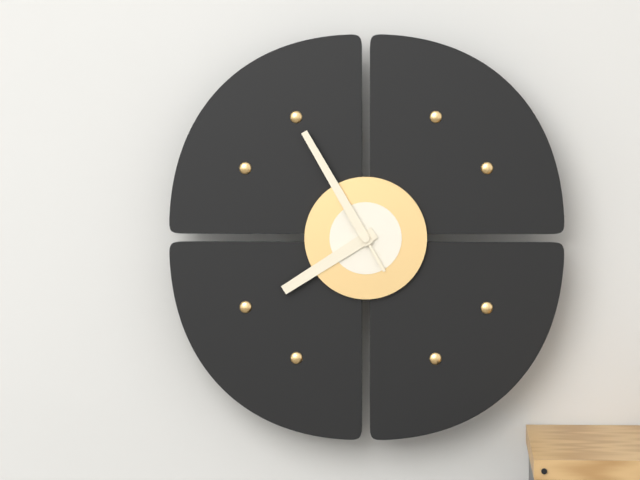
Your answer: 7 h 55 min
